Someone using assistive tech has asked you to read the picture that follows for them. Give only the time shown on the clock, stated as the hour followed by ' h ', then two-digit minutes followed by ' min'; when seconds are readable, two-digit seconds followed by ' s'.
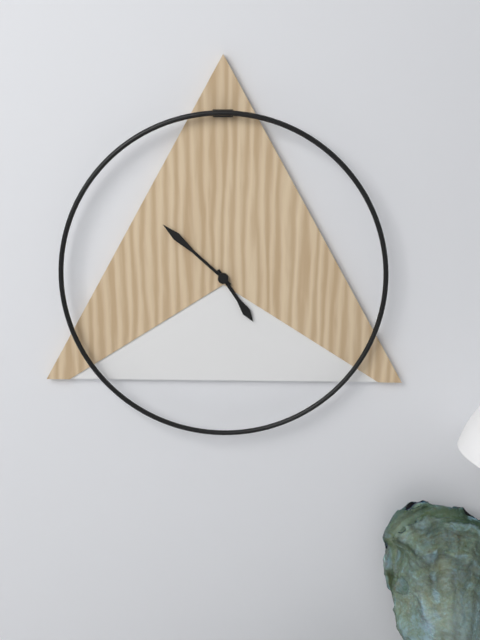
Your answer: 4 h 52 min
